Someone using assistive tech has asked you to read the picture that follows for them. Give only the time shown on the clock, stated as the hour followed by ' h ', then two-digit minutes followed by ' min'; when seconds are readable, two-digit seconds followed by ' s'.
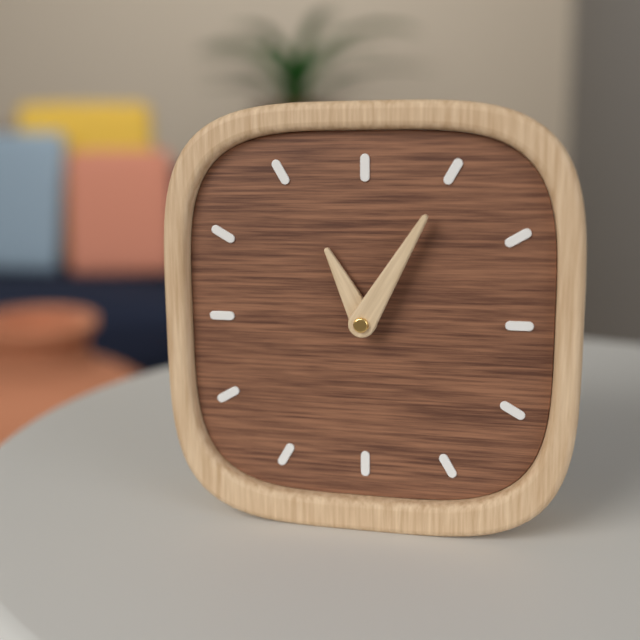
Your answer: 11 h 05 min
